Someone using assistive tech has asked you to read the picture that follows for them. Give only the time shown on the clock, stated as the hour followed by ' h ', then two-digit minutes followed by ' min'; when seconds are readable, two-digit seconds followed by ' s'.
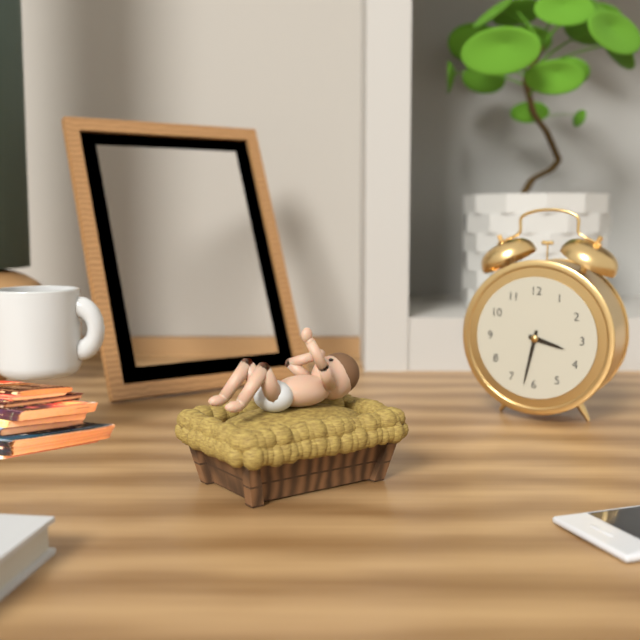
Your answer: 3 h 32 min
